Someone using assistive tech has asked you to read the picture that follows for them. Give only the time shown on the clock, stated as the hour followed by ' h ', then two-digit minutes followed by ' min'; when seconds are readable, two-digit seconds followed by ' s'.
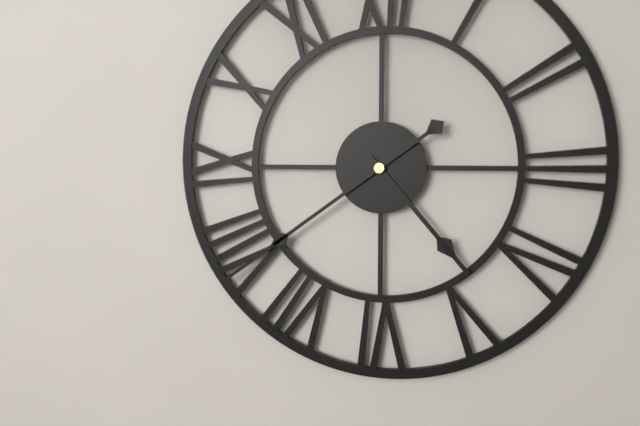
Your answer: 4 h 39 min
